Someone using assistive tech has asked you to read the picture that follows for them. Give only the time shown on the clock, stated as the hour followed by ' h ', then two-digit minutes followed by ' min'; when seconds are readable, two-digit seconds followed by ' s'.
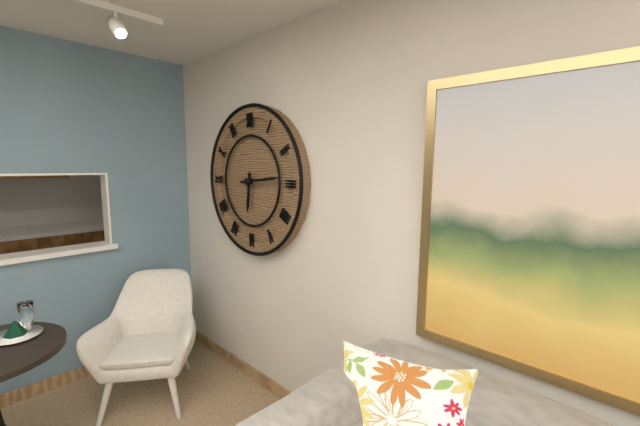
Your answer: 6 h 14 min
